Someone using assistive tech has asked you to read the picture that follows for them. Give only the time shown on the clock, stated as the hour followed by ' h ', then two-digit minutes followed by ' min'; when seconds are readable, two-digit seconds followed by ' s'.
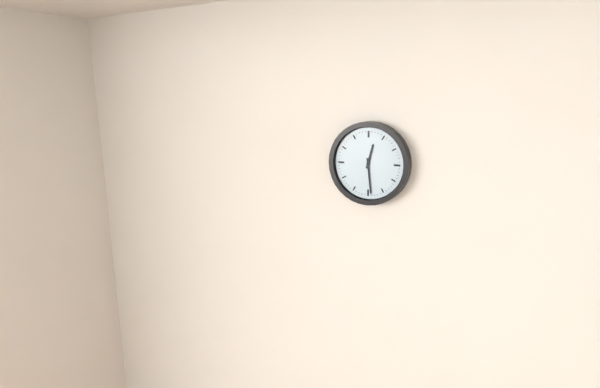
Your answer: 12 h 29 min
